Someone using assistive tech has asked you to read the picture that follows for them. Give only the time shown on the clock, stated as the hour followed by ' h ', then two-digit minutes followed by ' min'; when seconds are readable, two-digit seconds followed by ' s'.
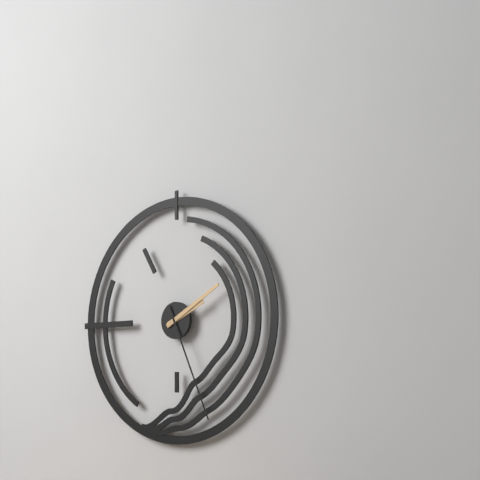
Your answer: 2 h 10 min 26 s
